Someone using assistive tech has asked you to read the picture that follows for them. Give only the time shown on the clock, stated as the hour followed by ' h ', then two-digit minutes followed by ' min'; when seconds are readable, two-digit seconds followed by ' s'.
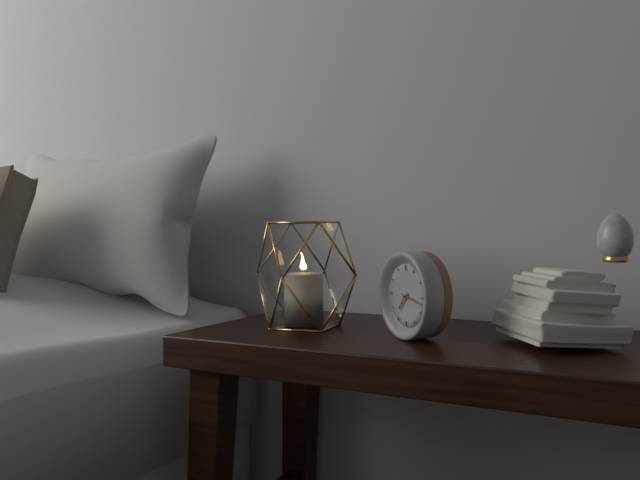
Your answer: 7 h 17 min
